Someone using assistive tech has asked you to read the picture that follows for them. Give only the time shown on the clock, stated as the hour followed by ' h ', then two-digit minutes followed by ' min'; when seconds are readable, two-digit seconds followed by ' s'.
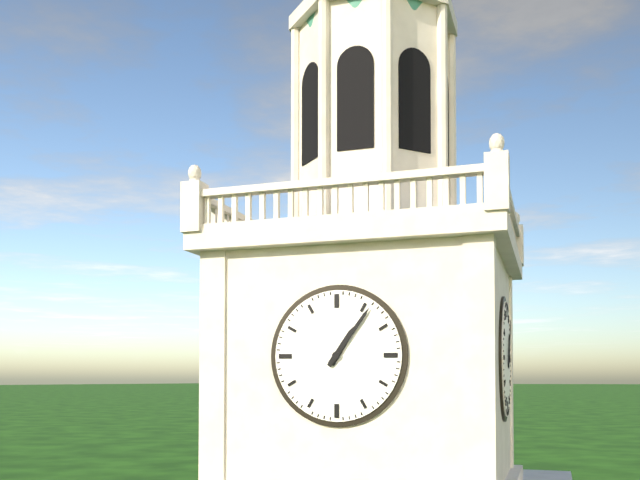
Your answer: 1 h 06 min
